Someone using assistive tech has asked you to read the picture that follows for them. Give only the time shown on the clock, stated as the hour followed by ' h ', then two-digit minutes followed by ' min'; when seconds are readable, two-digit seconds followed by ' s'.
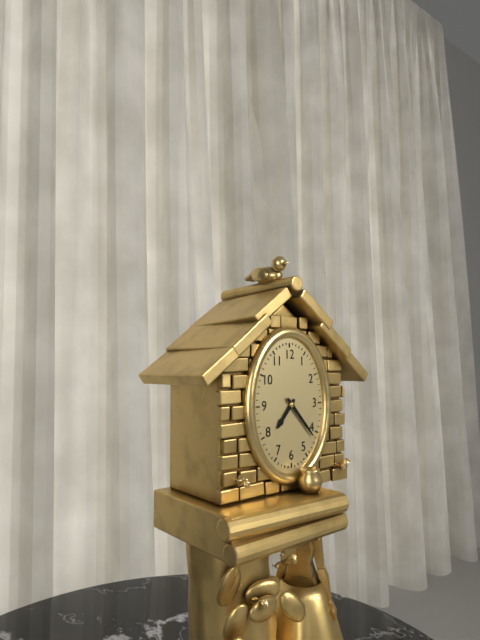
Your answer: 7 h 23 min
